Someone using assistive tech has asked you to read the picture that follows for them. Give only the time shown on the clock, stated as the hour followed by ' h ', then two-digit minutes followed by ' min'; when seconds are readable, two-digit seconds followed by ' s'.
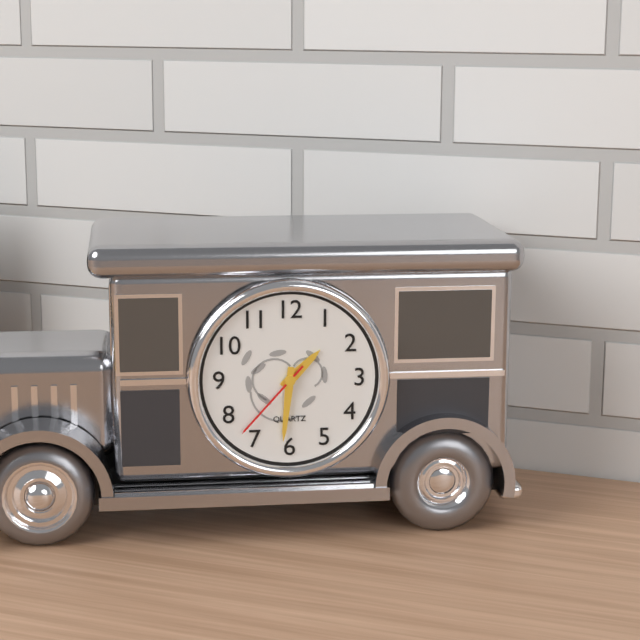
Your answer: 1 h 31 min 37 s
